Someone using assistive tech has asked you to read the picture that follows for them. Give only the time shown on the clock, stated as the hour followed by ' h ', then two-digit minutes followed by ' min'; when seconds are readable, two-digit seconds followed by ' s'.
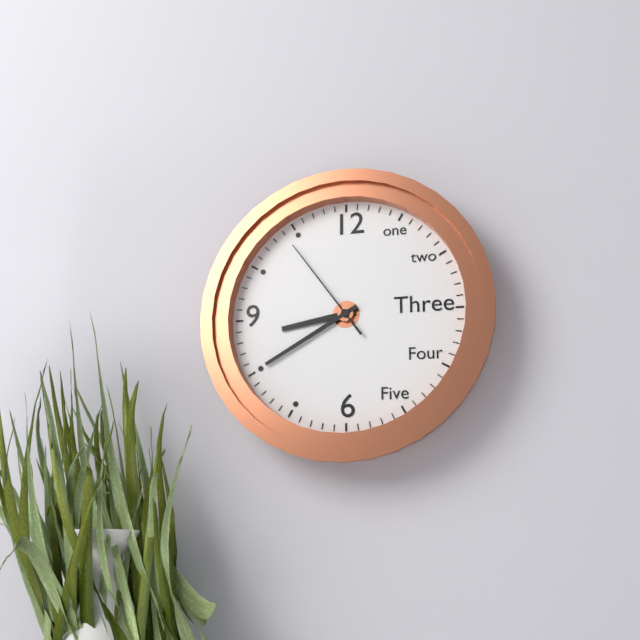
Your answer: 8 h 40 min 54 s
